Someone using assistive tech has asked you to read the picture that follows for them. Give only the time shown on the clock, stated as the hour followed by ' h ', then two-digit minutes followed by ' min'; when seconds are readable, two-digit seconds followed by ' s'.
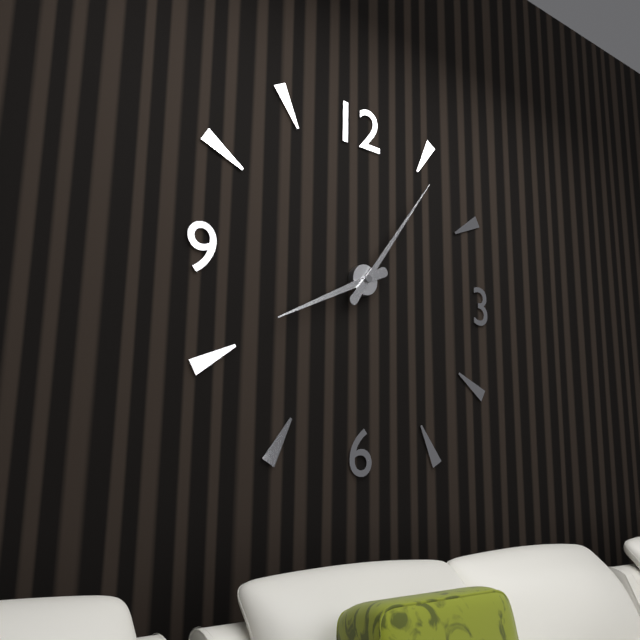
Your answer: 8 h 06 min
